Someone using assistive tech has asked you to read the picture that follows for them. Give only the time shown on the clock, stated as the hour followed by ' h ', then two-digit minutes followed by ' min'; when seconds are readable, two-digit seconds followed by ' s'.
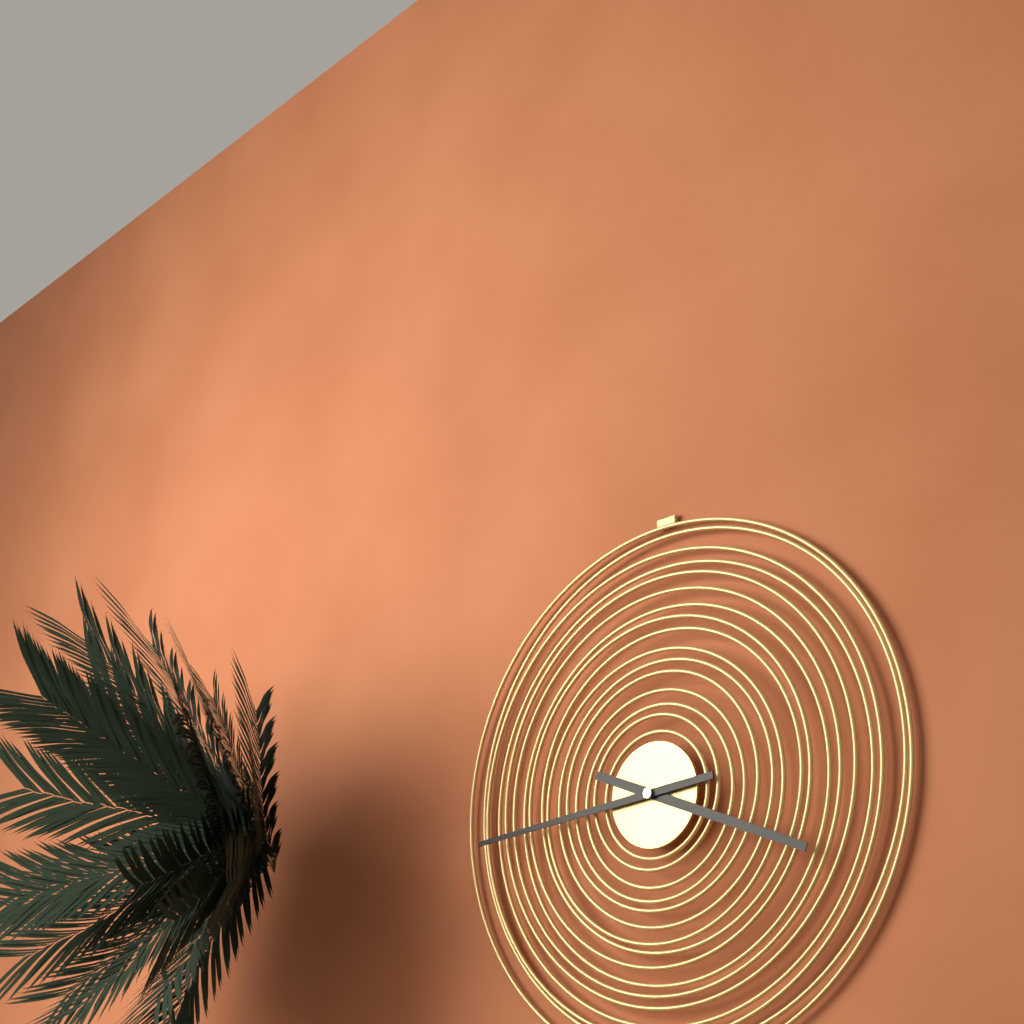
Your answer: 3 h 44 min
